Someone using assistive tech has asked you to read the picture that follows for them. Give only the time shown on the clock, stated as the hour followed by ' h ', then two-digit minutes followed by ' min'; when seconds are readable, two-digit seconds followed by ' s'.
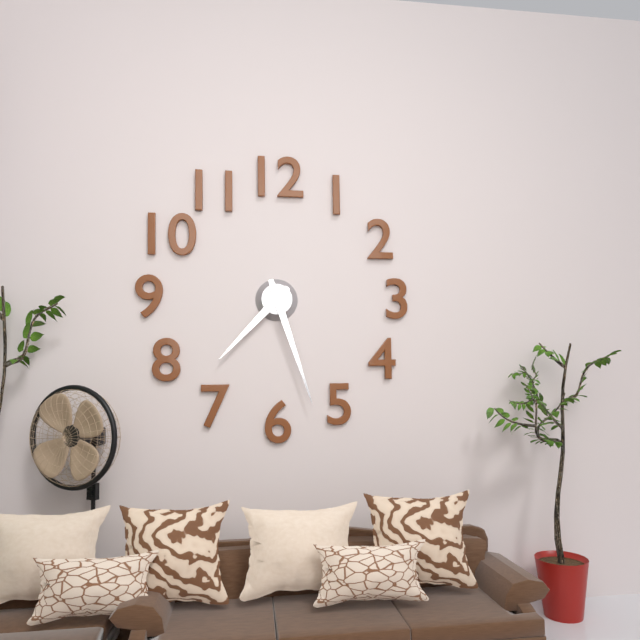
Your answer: 7 h 27 min
